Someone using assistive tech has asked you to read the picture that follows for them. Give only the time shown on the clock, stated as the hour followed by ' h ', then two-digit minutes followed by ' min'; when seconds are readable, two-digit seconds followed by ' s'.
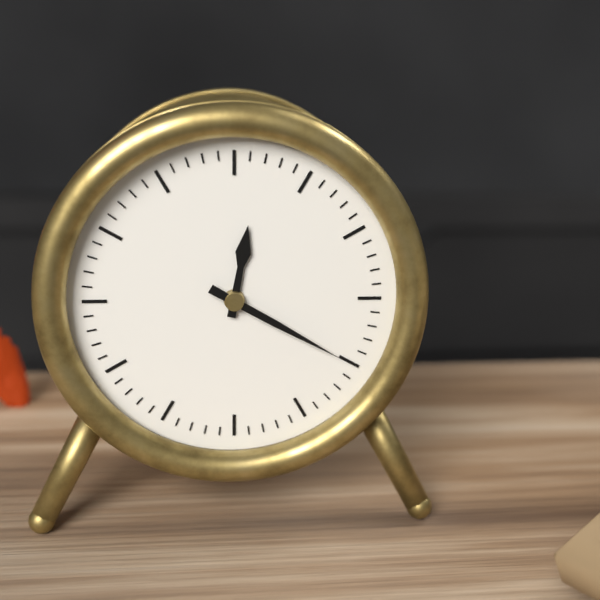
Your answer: 12 h 20 min
